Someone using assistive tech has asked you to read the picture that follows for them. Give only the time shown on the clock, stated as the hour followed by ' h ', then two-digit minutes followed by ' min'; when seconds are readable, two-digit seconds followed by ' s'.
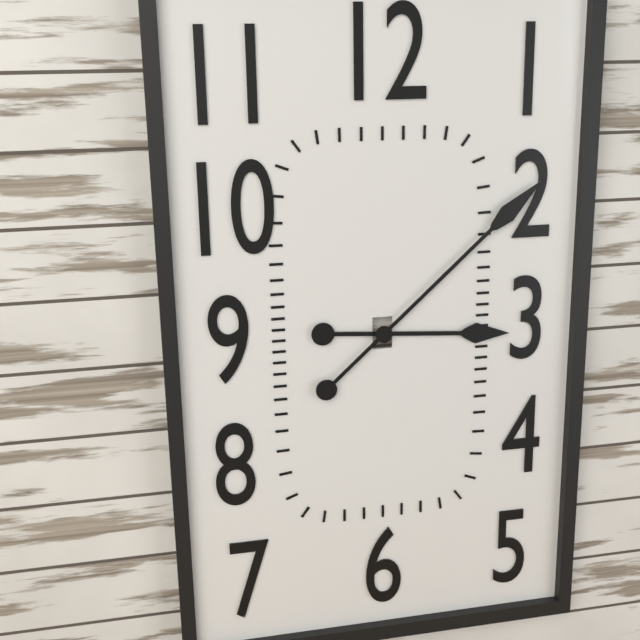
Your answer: 3 h 08 min
